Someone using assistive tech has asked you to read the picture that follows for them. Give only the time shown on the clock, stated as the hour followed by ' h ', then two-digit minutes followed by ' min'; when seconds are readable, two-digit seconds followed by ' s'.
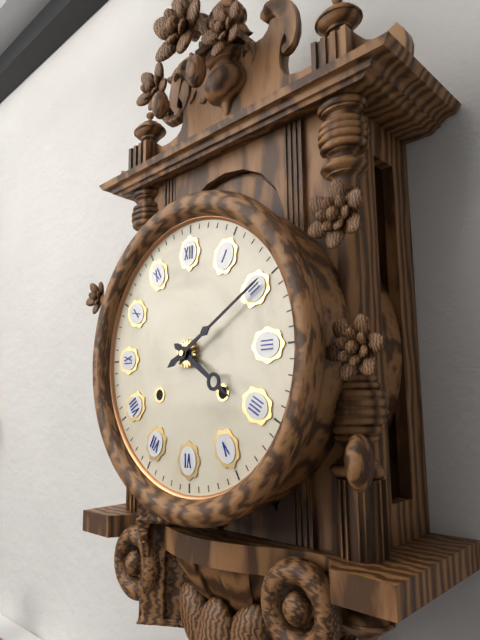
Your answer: 4 h 10 min
